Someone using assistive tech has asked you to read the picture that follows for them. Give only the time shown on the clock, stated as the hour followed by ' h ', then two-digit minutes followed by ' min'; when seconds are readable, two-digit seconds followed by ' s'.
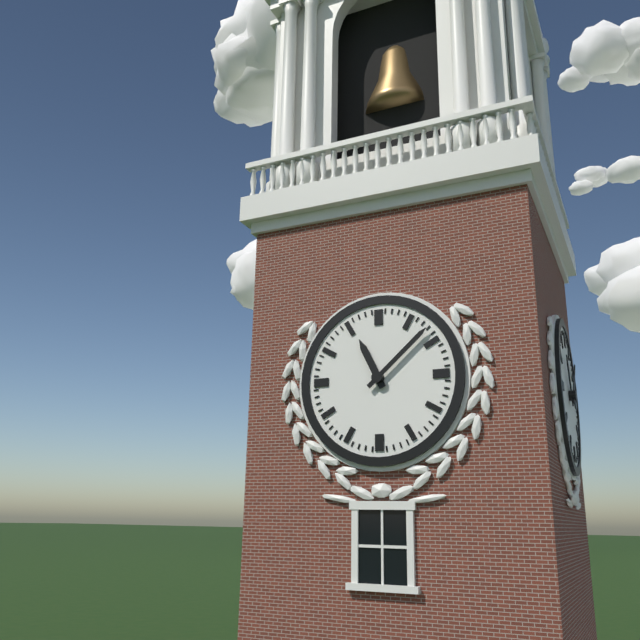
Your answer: 11 h 08 min
